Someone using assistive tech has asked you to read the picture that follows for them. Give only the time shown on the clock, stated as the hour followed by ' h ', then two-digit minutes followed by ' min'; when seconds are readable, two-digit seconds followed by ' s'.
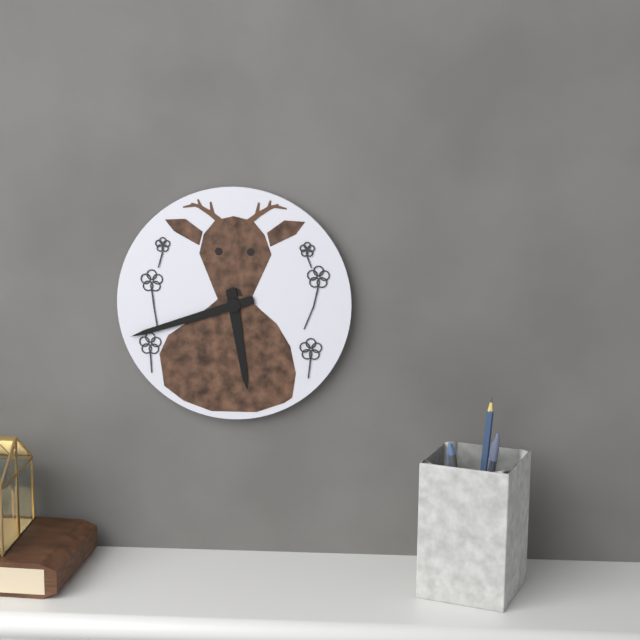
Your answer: 5 h 42 min
